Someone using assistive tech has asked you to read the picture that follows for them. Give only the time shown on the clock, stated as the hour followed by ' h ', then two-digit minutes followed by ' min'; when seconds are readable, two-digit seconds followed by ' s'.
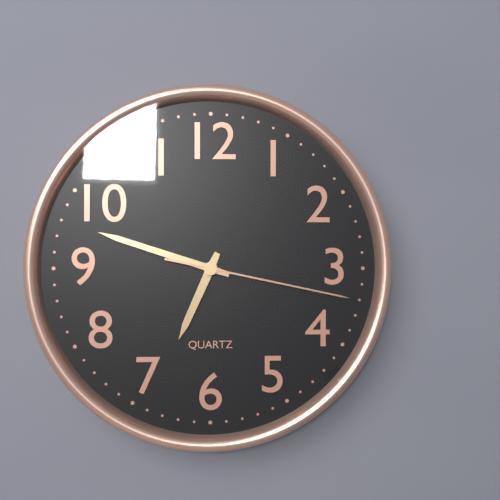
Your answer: 6 h 48 min 17 s
